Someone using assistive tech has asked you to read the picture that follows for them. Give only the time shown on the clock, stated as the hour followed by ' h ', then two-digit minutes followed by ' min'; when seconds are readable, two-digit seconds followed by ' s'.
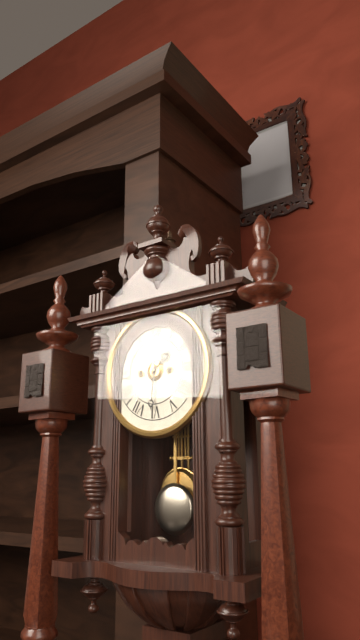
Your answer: 1 h 31 min
